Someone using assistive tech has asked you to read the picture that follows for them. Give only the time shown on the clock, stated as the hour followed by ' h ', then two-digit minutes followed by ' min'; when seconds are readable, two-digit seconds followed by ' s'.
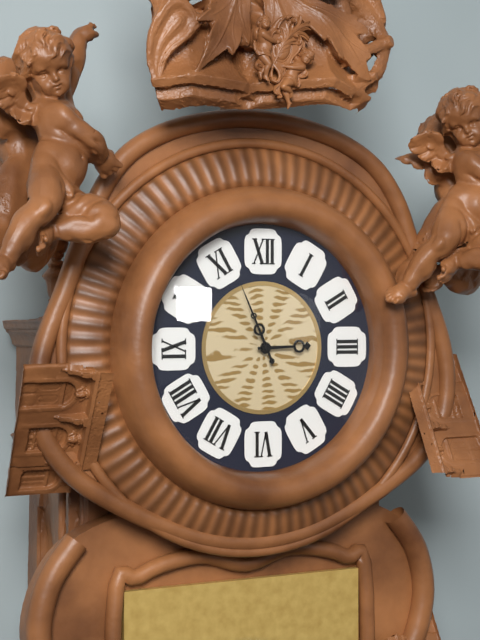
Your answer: 2 h 56 min
